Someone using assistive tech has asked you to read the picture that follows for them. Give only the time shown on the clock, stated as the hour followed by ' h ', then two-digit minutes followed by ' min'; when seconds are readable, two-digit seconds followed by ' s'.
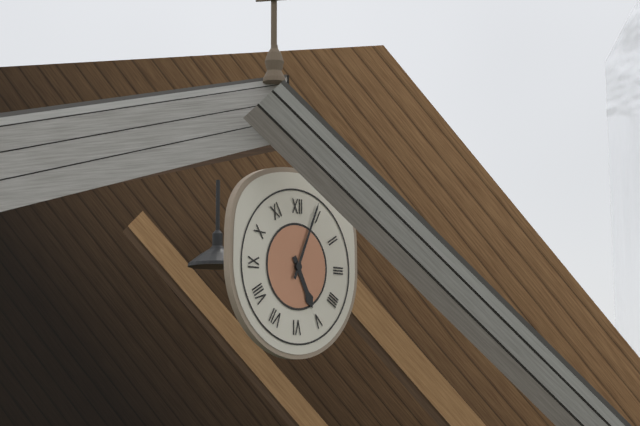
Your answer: 5 h 04 min
